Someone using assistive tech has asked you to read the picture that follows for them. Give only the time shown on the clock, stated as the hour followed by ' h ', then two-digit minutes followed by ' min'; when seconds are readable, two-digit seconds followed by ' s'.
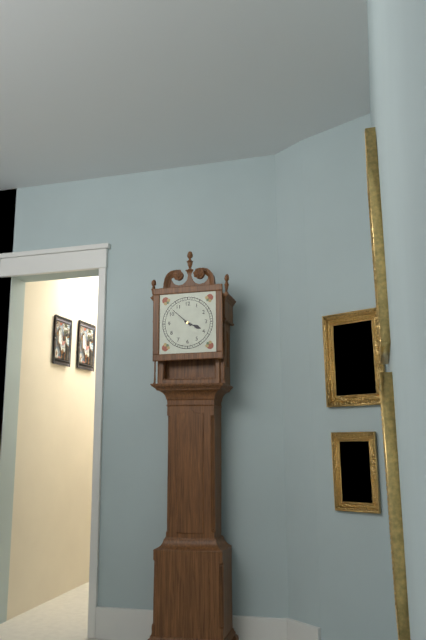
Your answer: 3 h 52 min
